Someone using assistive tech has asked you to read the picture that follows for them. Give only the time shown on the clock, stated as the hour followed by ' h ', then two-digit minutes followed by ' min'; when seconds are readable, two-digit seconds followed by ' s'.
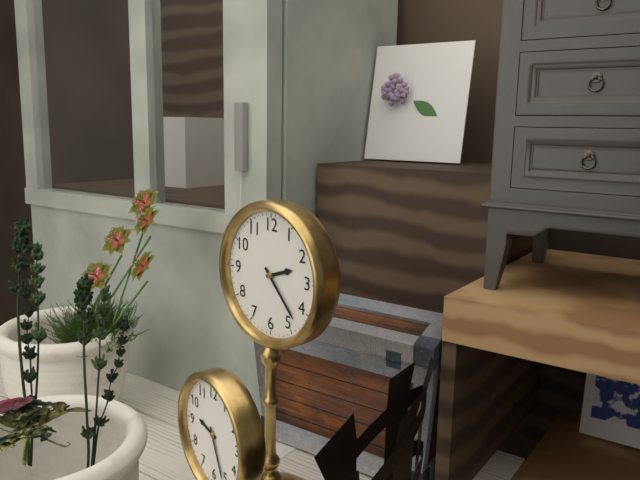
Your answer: 2 h 23 min
